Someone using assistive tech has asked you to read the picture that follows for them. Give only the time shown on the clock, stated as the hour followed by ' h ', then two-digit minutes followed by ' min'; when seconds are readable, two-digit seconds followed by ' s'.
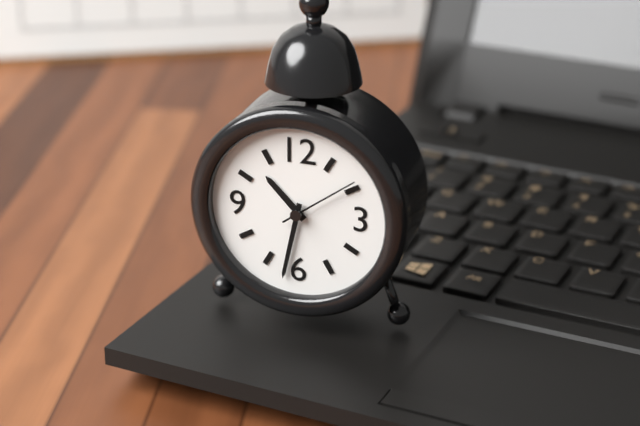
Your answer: 10 h 32 min 09 s
